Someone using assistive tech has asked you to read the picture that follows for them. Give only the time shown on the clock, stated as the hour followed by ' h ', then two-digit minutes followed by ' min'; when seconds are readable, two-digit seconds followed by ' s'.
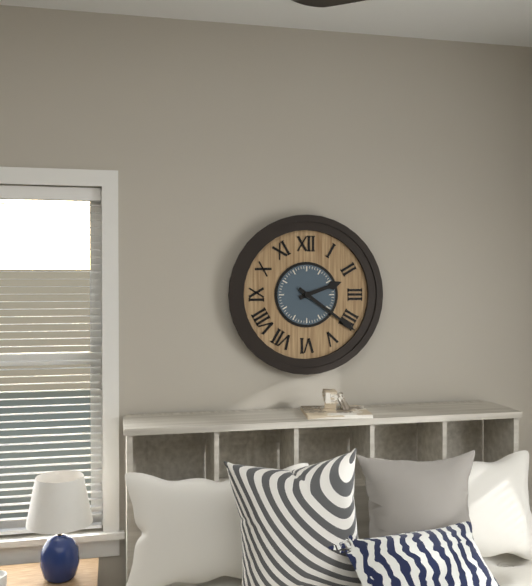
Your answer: 2 h 21 min
